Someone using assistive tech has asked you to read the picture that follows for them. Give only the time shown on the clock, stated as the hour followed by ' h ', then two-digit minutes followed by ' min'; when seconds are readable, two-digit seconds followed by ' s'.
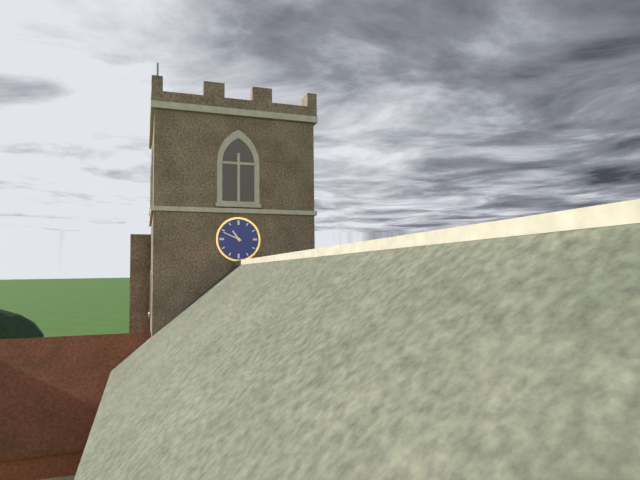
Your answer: 10 h 49 min
